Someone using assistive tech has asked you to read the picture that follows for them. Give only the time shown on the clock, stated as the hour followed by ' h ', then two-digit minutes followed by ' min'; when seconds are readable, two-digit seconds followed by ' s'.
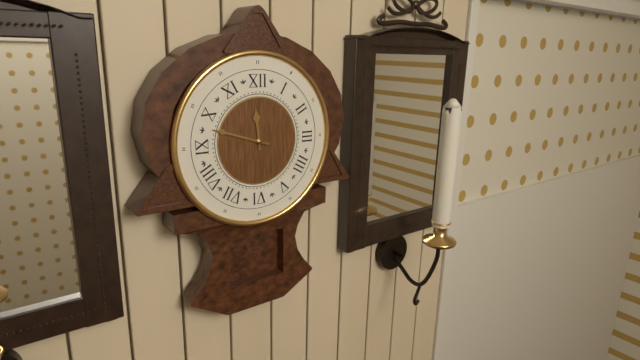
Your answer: 11 h 48 min
